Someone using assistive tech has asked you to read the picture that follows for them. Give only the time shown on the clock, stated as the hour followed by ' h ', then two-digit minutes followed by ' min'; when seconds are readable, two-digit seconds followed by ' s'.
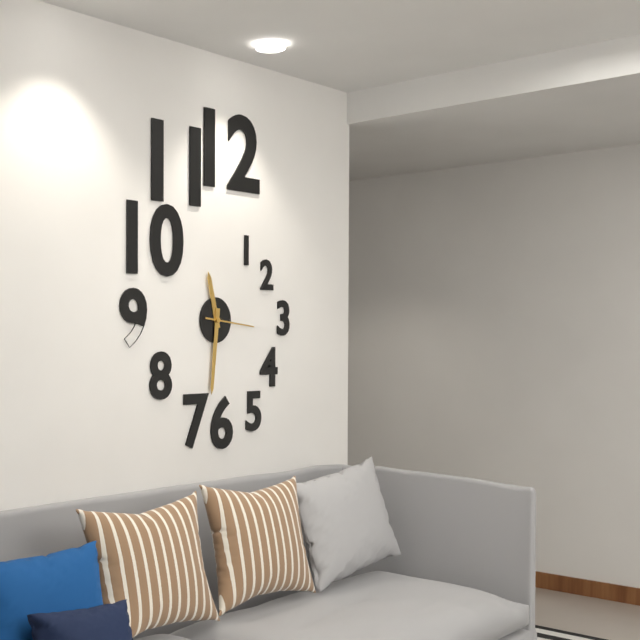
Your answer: 11 h 31 min 16 s
